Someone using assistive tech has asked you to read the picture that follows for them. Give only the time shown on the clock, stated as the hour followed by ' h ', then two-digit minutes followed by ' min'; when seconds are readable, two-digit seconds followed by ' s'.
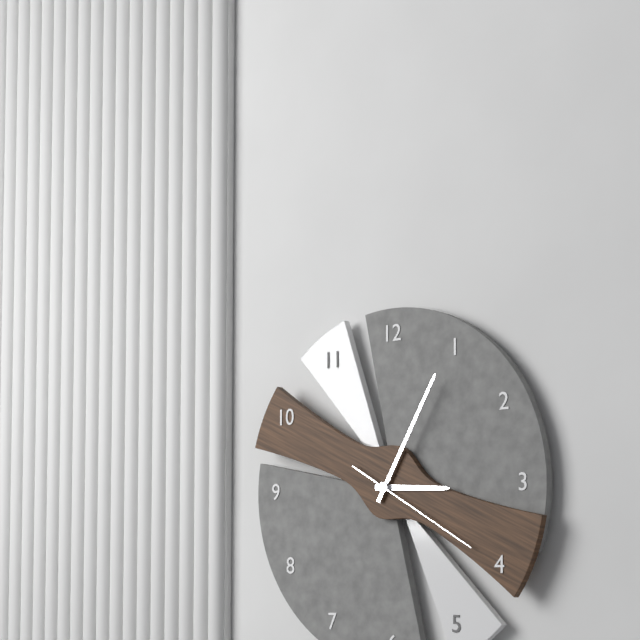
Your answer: 3 h 05 min 20 s
